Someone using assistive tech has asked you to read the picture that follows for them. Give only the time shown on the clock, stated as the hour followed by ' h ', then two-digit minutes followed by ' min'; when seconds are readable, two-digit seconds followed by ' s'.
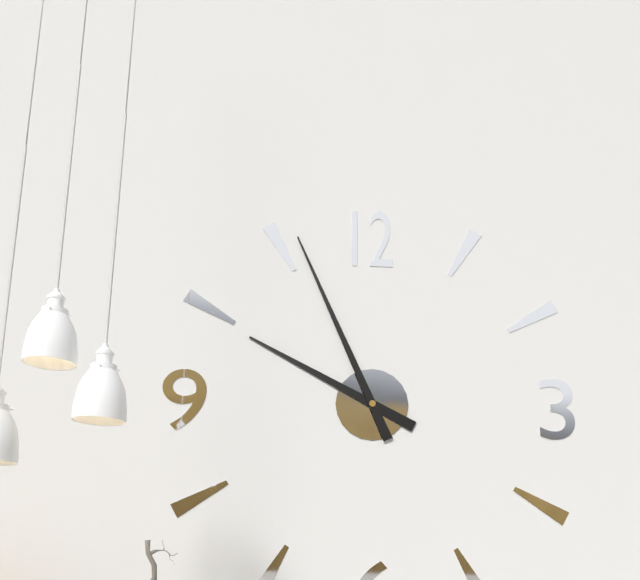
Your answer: 9 h 56 min
